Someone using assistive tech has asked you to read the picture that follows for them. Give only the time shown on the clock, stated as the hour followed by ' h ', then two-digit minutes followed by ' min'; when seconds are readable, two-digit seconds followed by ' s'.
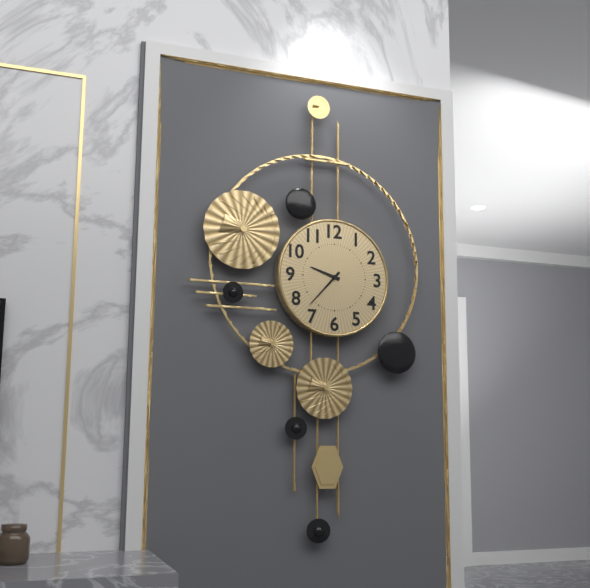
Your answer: 9 h 37 min
